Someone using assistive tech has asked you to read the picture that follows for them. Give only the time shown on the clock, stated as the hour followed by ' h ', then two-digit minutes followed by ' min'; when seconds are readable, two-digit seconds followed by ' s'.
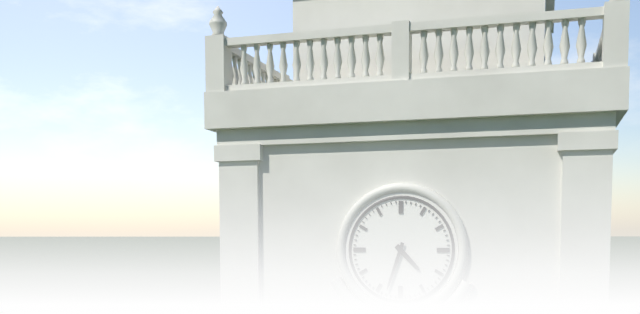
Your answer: 4 h 33 min
